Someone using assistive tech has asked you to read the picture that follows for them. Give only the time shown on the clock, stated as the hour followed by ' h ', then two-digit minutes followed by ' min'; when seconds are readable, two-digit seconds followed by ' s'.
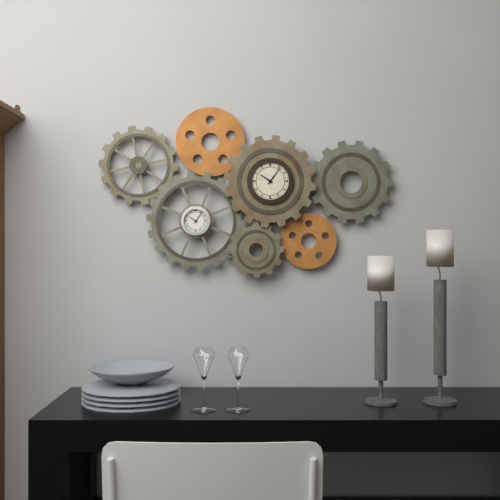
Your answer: 10 h 06 min
